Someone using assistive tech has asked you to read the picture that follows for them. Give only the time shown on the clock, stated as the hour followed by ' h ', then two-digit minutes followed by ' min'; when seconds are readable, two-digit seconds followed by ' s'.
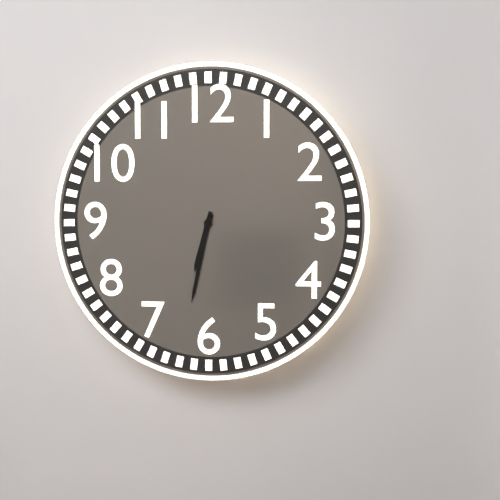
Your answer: 6 h 32 min
